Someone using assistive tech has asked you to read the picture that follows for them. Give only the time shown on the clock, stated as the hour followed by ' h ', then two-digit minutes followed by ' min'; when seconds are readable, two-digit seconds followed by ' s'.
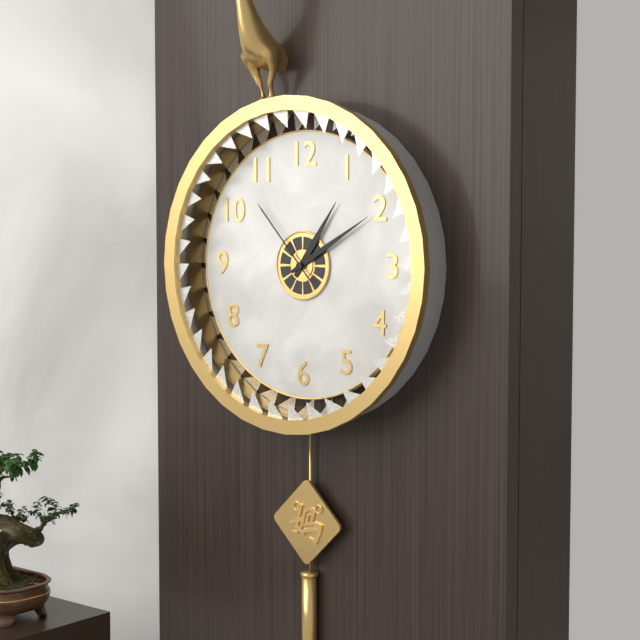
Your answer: 1 h 10 min 53 s
